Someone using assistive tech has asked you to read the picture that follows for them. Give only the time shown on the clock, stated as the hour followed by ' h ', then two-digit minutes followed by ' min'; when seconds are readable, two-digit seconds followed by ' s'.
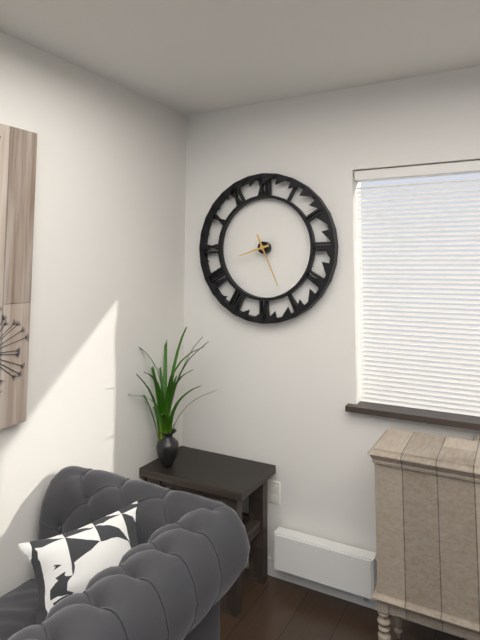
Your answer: 8 h 26 min
